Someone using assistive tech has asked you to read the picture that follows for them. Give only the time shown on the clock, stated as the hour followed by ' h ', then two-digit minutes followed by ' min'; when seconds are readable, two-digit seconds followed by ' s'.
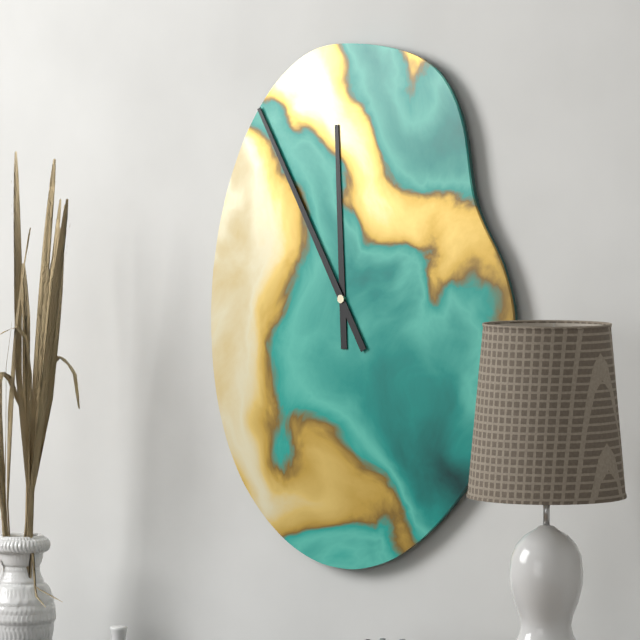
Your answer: 11 h 55 min
